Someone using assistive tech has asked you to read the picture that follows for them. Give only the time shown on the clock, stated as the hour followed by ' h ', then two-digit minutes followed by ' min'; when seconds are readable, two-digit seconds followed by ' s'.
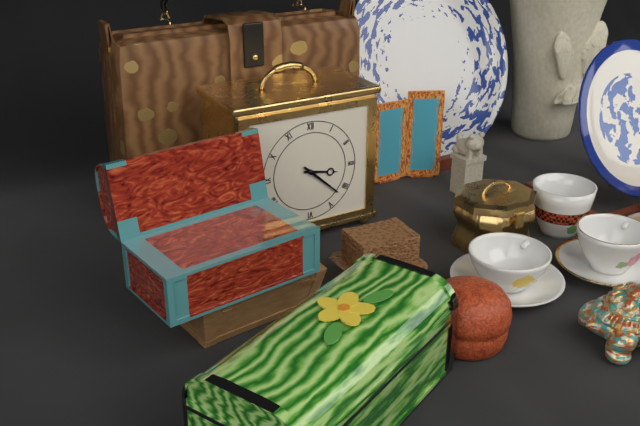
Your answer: 3 h 22 min
